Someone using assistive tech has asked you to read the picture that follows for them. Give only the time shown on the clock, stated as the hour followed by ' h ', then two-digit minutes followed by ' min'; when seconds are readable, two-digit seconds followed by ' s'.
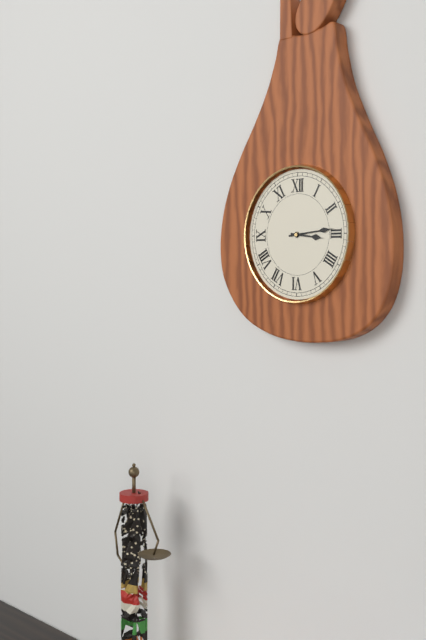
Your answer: 3 h 14 min
